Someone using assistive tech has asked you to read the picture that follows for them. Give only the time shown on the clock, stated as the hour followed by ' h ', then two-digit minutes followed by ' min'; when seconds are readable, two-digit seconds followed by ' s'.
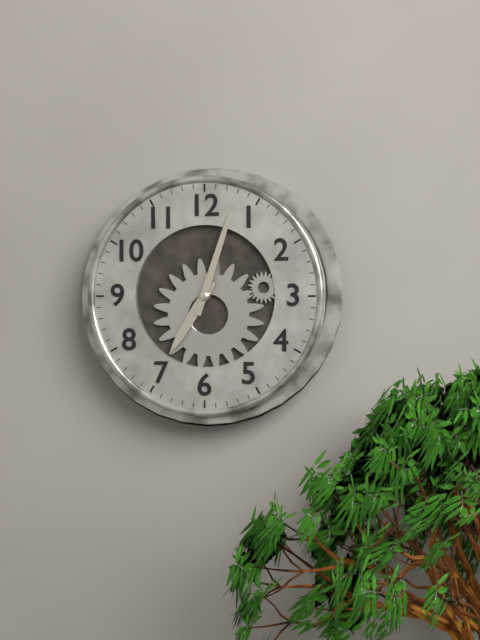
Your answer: 7 h 03 min
